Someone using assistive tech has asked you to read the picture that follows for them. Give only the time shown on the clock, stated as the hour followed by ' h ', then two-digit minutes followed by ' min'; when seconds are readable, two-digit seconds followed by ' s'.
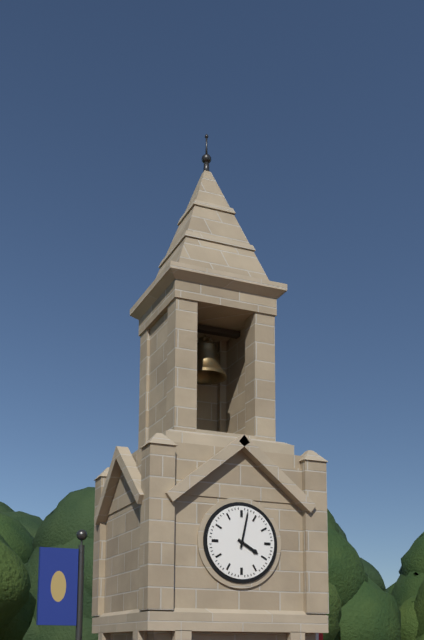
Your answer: 4 h 02 min
